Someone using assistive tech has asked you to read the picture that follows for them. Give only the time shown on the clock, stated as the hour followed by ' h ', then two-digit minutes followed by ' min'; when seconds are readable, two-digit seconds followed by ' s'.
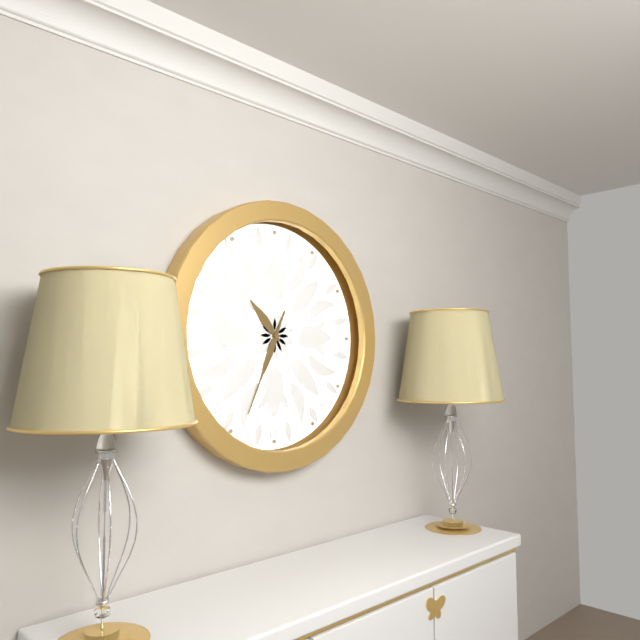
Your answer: 10 h 34 min
